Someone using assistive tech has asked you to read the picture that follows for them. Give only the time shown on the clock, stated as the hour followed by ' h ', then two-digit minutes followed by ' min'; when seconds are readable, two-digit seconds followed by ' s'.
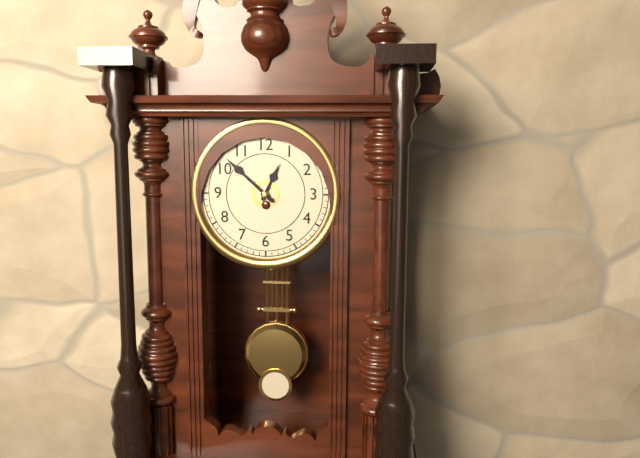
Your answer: 12 h 52 min
